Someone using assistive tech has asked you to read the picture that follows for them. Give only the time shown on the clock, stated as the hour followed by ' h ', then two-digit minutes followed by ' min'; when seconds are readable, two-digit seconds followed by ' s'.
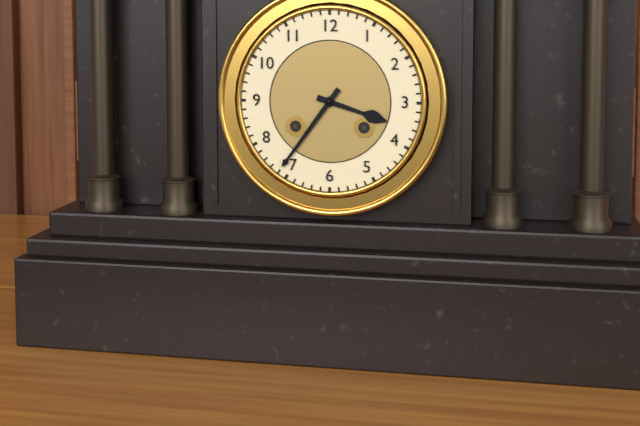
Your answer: 3 h 36 min
